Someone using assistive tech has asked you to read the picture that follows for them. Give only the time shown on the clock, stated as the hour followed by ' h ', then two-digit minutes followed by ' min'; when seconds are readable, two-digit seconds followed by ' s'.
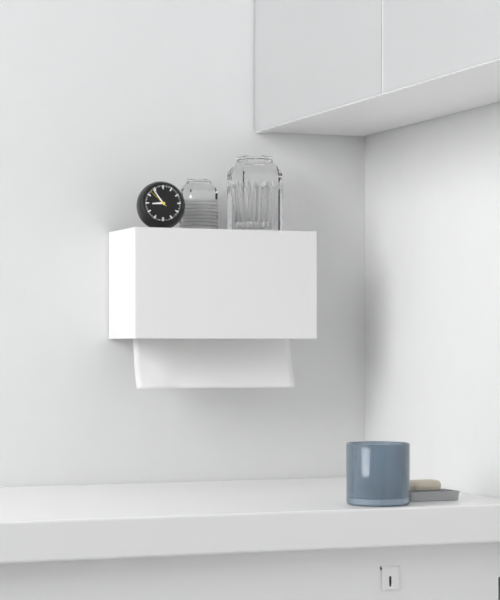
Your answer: 8 h 54 min
